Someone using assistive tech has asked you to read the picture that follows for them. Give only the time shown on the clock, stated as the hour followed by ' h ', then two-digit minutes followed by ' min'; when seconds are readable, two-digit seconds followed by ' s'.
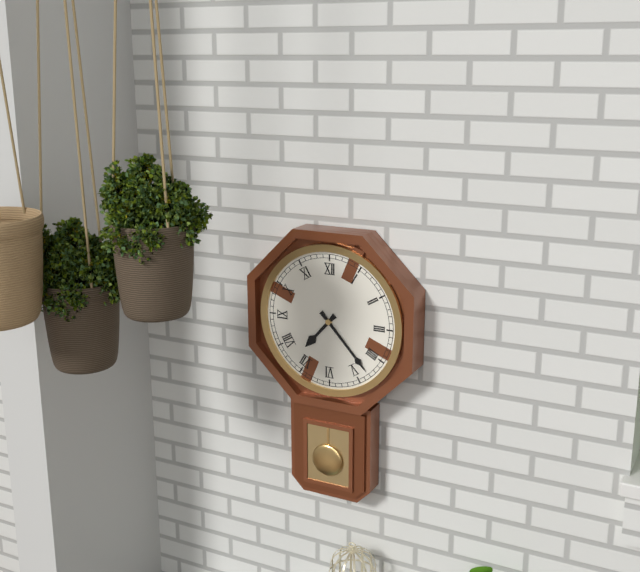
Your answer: 7 h 23 min
